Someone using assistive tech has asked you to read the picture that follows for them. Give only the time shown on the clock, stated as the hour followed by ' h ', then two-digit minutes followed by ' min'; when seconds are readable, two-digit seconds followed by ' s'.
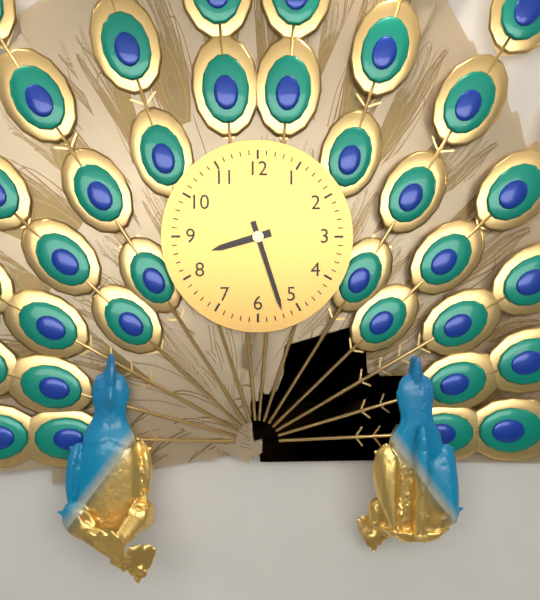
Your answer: 8 h 27 min
